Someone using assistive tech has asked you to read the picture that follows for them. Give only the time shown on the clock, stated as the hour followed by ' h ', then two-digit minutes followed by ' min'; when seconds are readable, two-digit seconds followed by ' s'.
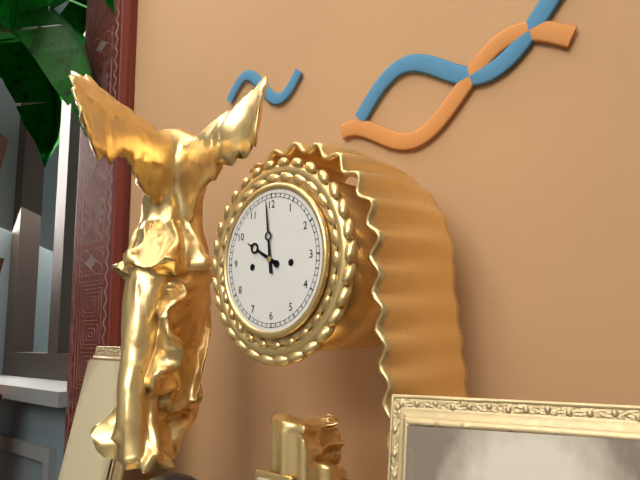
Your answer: 9 h 59 min
